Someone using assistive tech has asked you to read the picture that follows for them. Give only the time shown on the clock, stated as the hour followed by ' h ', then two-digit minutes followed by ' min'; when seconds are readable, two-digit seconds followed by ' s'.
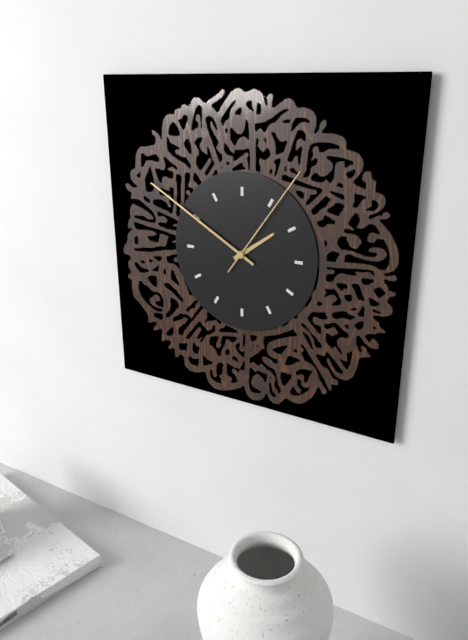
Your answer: 1 h 50 min 06 s
